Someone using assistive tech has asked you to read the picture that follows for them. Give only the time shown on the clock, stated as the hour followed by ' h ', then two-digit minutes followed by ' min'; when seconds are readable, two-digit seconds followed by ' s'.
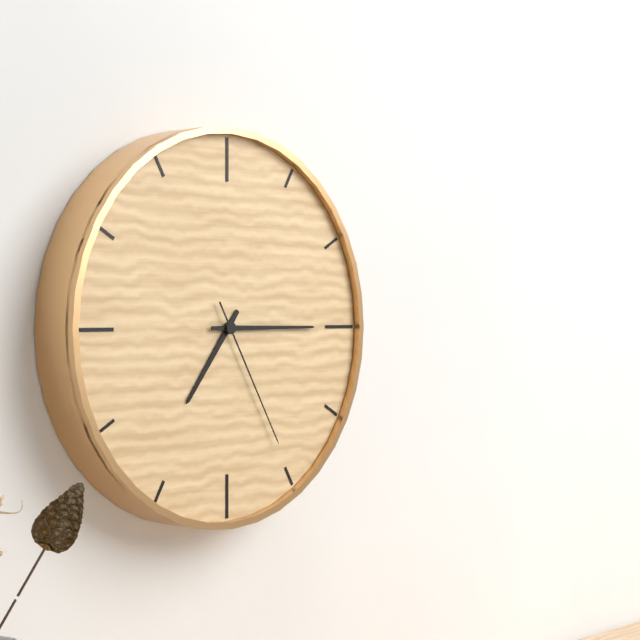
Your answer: 7 h 15 min 25 s
